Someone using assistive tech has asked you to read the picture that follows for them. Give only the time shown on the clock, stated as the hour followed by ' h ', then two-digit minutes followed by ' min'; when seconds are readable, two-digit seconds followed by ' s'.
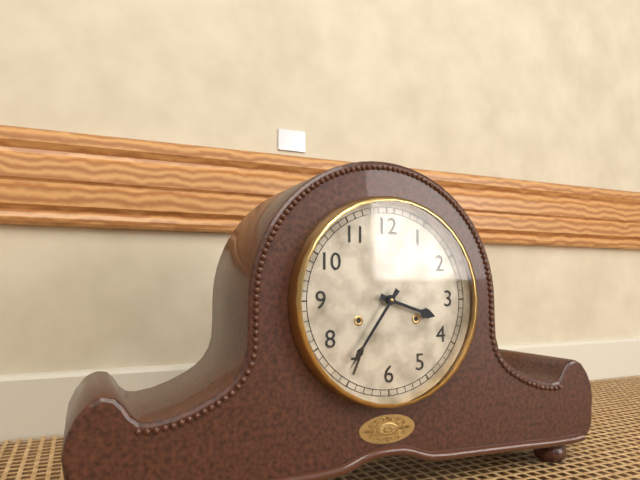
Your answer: 3 h 36 min
